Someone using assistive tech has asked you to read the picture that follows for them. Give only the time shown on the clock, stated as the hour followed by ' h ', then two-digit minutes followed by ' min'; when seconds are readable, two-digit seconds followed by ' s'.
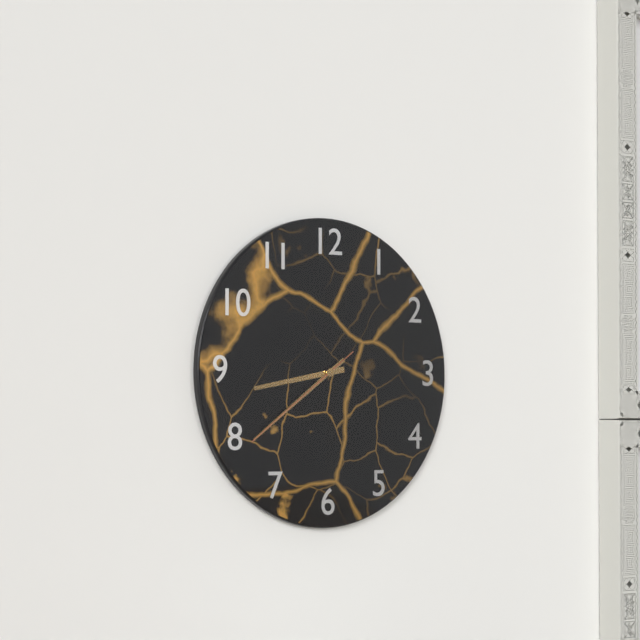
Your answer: 8 h 39 min 39 s
